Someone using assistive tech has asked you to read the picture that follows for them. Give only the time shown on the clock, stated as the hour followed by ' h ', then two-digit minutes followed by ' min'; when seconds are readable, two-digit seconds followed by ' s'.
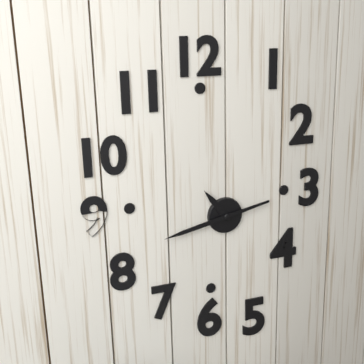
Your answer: 10 h 43 min
